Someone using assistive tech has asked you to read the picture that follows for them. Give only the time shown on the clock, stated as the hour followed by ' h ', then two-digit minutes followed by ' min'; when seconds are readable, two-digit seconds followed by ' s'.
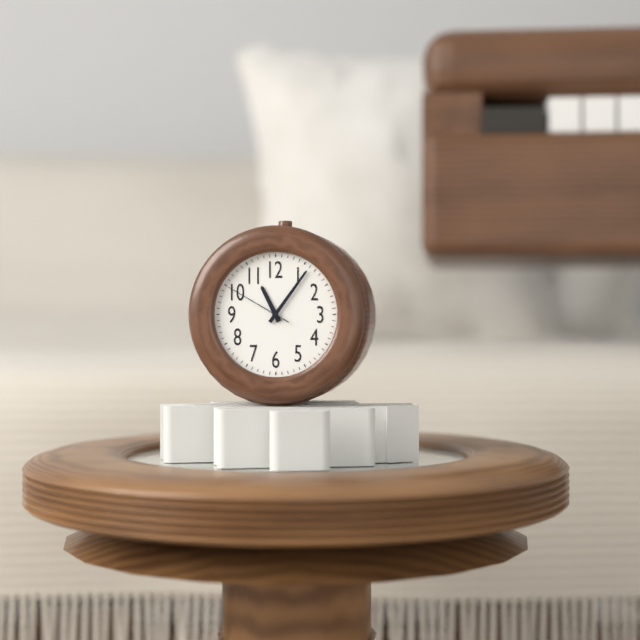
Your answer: 11 h 06 min 50 s
